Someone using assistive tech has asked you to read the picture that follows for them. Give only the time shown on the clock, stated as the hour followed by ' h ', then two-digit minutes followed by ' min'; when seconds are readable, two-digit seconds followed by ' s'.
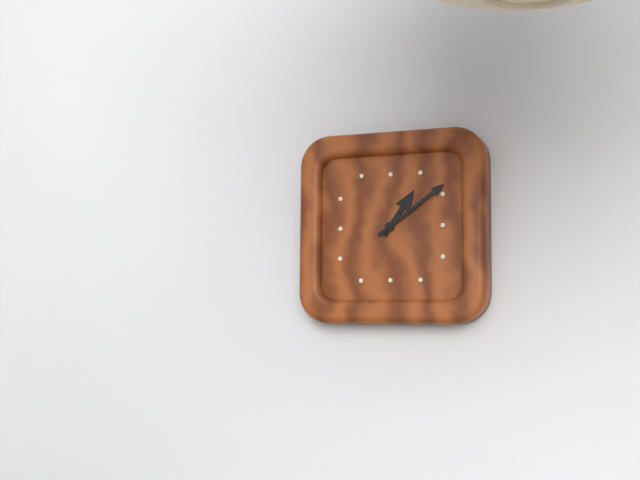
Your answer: 1 h 09 min
